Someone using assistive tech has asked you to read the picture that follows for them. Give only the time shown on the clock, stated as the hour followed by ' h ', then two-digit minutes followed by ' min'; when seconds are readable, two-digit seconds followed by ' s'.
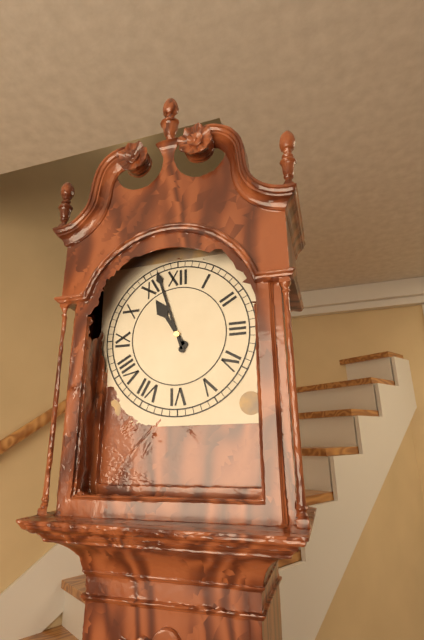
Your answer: 10 h 57 min
